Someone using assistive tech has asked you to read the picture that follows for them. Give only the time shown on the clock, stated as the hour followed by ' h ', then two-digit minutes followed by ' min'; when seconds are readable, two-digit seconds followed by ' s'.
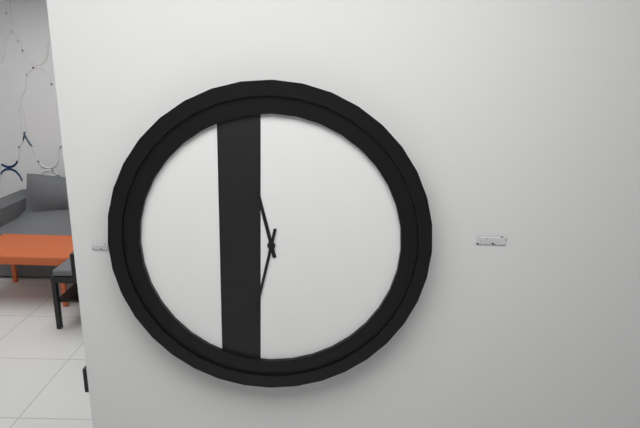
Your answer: 11 h 32 min
